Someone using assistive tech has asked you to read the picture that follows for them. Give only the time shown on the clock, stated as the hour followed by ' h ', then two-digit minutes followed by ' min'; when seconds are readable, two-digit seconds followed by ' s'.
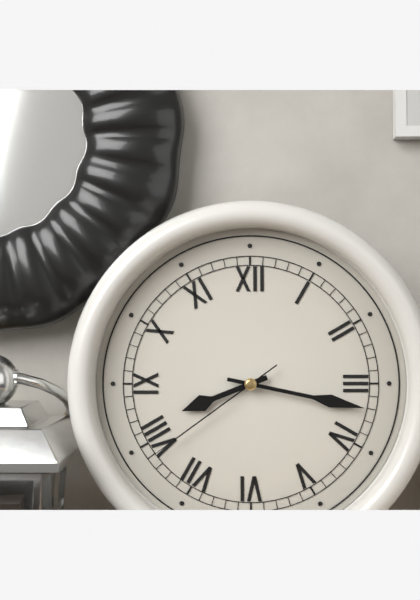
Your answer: 8 h 17 min 39 s
